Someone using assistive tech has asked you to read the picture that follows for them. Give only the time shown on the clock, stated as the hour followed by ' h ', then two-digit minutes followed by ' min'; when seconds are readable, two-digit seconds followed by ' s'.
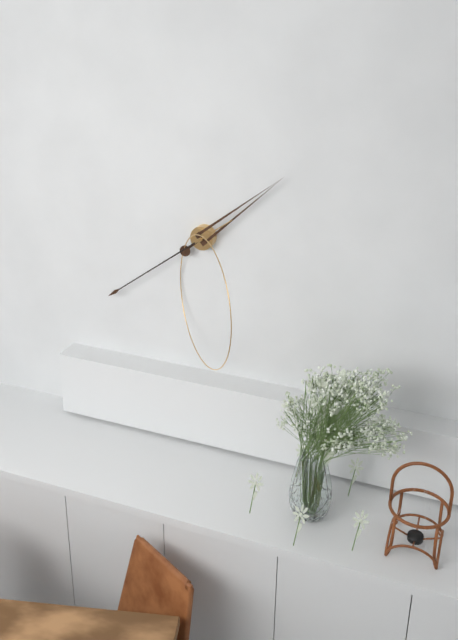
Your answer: 1 h 39 min
